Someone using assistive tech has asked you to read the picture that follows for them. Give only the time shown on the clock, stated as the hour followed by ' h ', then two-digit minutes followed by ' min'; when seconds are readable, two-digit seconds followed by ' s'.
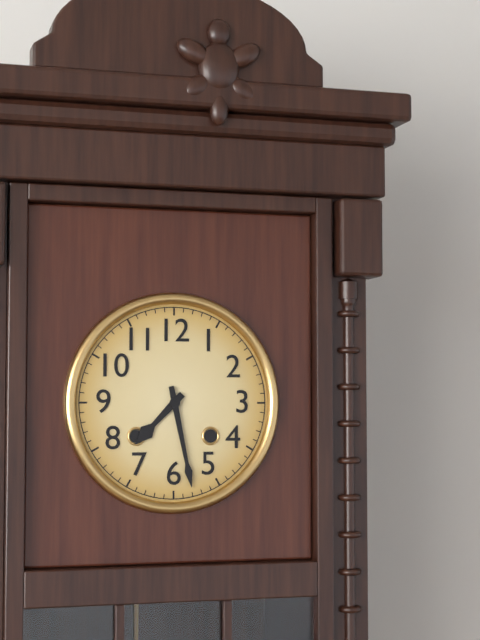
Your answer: 7 h 28 min
